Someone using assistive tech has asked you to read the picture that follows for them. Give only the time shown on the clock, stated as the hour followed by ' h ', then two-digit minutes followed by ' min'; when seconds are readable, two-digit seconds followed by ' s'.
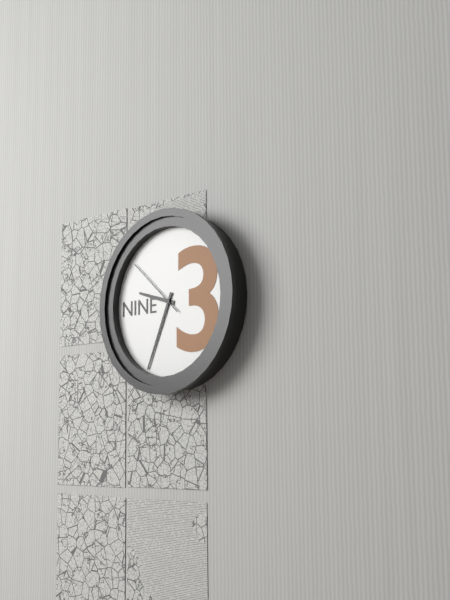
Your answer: 9 h 34 min 52 s
